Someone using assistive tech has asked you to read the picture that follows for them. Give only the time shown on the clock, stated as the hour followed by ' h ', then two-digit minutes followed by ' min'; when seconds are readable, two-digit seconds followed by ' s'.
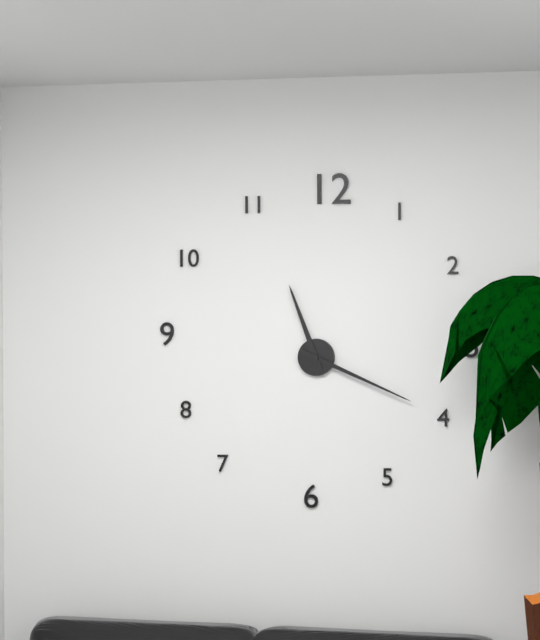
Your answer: 11 h 19 min
